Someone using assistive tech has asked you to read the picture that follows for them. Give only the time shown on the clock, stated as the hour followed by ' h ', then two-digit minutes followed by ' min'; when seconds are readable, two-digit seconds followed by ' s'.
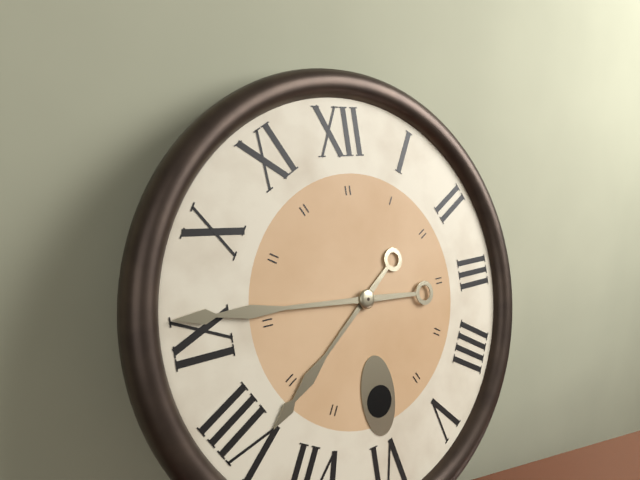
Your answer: 7 h 46 min
